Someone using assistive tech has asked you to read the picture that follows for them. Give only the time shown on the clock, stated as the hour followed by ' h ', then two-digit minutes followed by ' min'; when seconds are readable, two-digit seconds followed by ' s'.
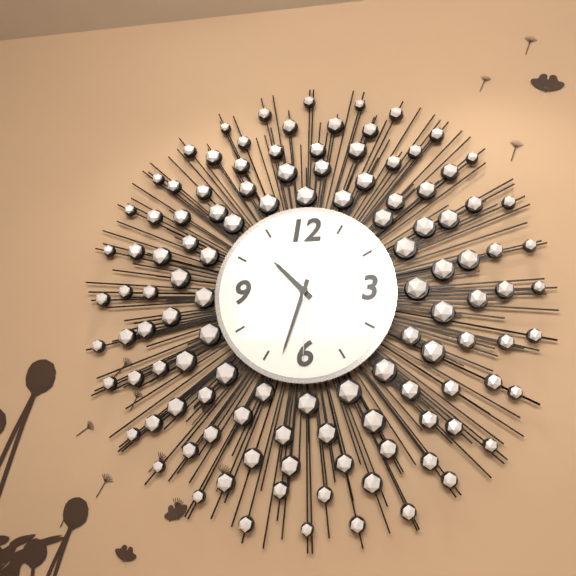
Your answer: 10 h 33 min 30 s
